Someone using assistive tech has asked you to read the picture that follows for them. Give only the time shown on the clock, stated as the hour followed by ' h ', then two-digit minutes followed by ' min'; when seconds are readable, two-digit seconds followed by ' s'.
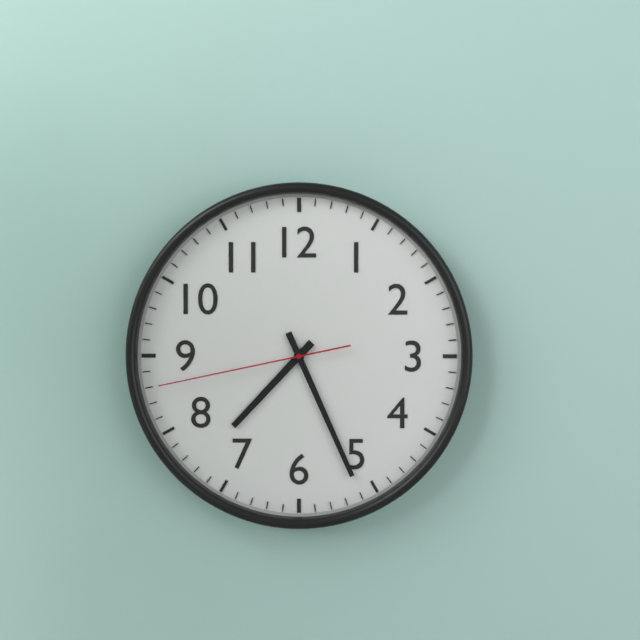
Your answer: 7 h 26 min 43 s
